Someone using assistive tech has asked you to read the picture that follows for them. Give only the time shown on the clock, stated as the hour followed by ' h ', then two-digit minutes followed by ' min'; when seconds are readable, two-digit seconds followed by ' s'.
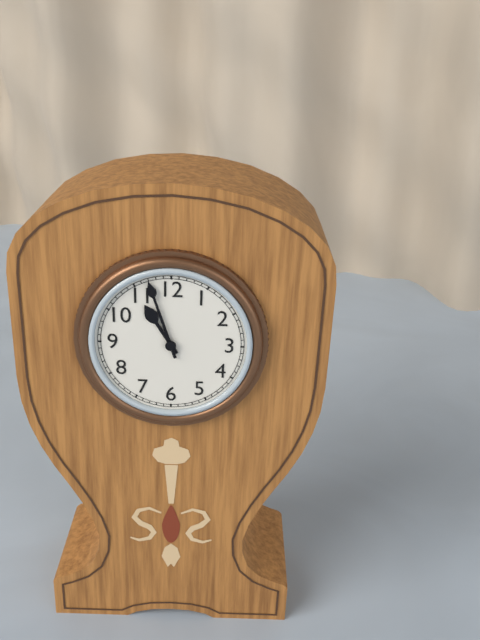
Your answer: 10 h 57 min
